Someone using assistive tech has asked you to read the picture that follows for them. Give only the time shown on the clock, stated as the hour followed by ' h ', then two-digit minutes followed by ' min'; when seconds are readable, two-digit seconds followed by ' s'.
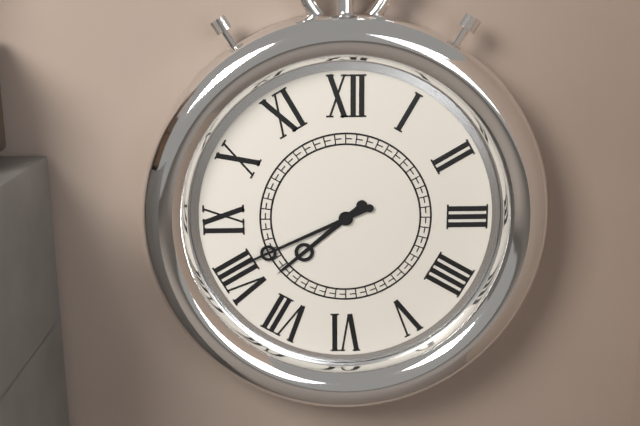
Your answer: 7 h 41 min
